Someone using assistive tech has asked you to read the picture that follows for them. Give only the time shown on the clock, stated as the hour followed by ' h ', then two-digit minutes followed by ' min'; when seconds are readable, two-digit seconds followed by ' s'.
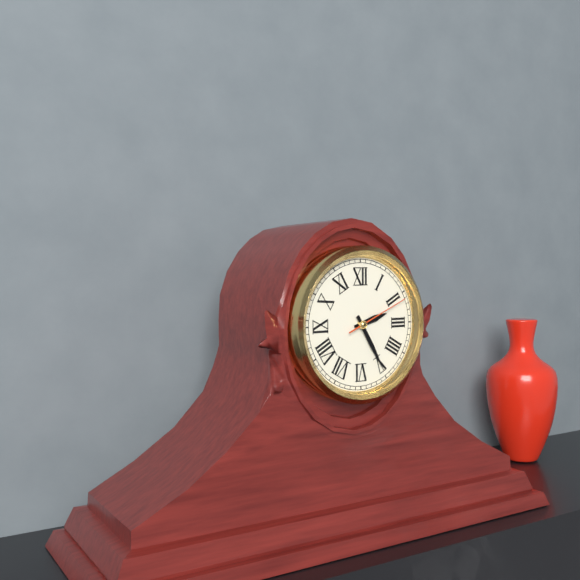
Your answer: 2 h 25 min 11 s
